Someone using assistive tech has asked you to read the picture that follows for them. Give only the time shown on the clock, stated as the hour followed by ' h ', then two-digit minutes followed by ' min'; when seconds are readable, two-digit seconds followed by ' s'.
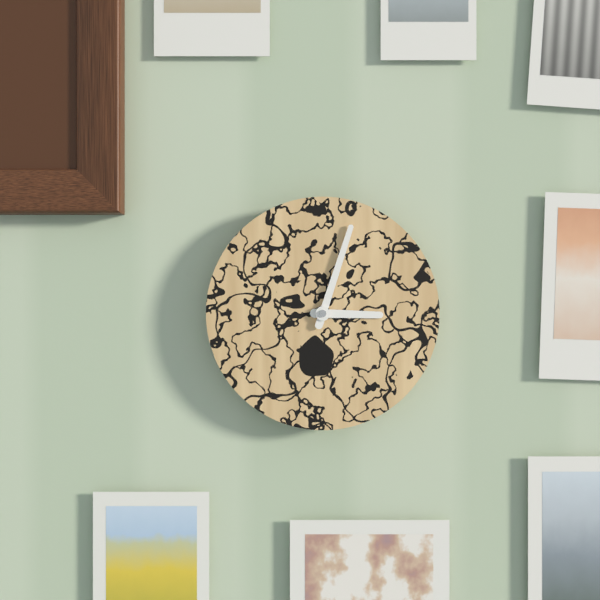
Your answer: 3 h 03 min
